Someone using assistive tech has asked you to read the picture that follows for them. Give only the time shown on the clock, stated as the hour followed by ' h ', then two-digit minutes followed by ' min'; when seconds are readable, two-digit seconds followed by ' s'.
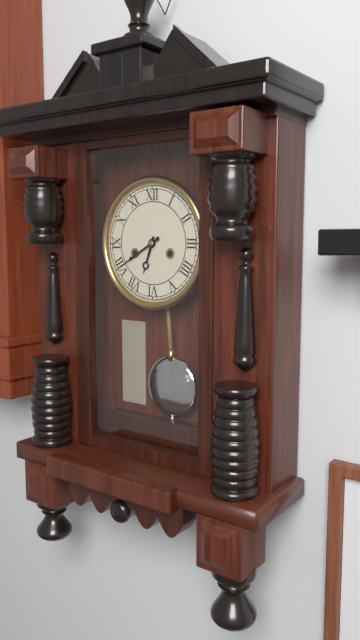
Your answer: 6 h 40 min
